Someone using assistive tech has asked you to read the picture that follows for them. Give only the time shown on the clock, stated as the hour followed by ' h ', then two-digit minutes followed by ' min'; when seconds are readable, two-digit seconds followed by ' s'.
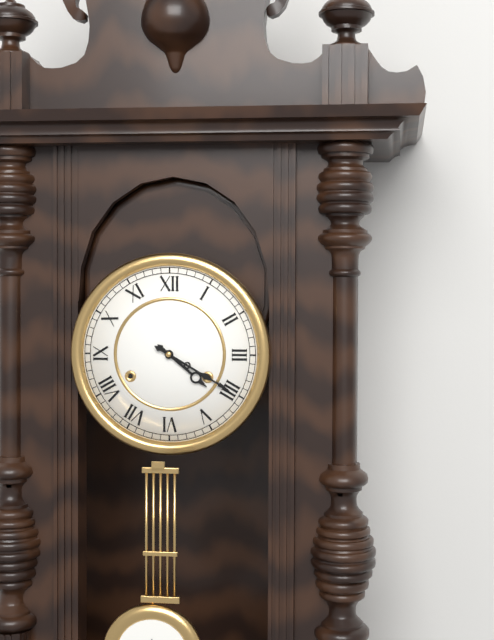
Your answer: 4 h 20 min
